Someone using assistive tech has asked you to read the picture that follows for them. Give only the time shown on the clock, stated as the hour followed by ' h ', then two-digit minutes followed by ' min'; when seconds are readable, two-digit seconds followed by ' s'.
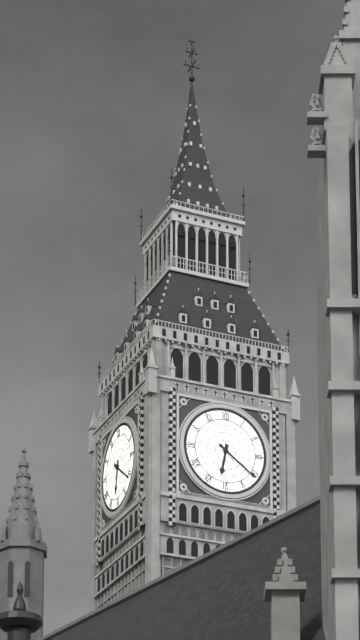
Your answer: 6 h 21 min
